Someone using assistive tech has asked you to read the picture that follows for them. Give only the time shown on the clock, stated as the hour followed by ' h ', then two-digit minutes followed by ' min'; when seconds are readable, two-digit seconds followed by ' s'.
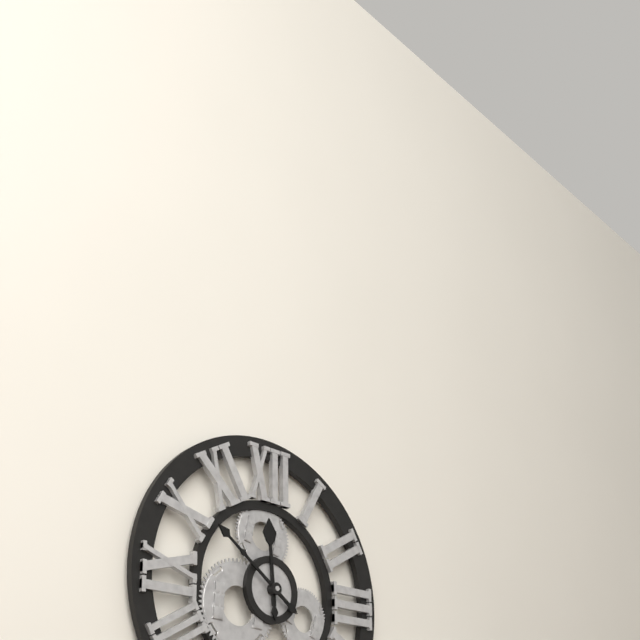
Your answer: 11 h 51 min
